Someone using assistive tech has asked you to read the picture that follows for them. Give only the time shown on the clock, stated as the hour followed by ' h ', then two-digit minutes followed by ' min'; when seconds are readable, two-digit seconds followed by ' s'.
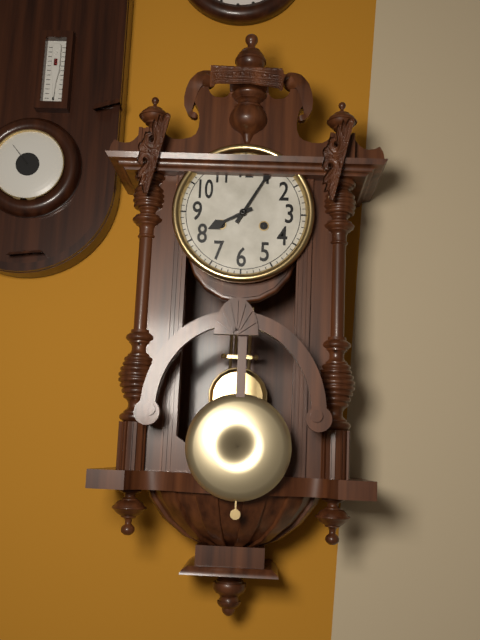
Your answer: 8 h 05 min
